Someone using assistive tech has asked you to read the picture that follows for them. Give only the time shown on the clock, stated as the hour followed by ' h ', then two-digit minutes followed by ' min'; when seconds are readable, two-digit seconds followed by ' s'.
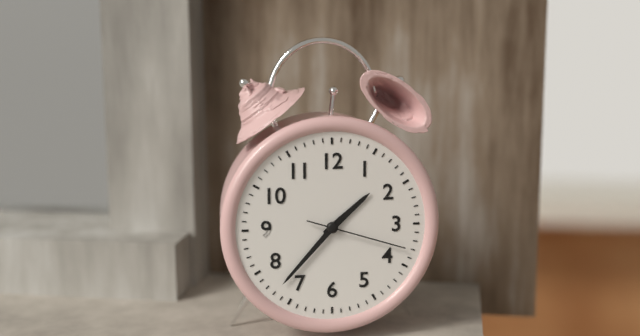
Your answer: 1 h 37 min 18 s
